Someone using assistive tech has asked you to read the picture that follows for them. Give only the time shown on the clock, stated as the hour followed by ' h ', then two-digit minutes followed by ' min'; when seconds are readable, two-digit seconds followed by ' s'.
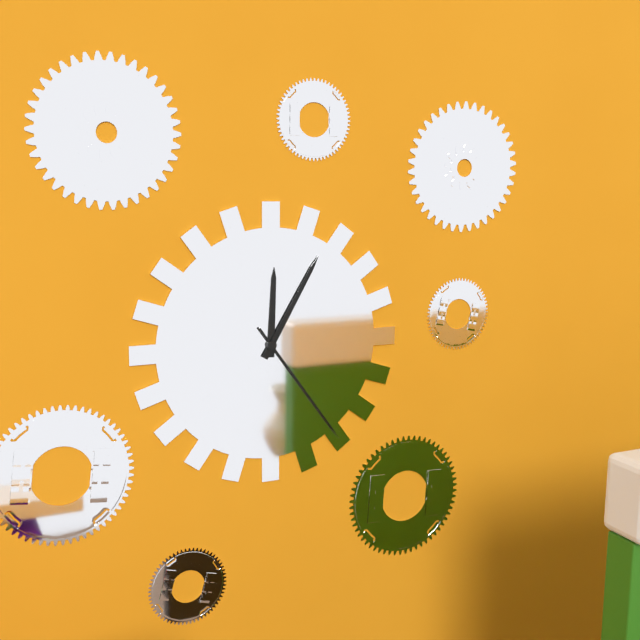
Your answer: 12 h 05 min 24 s
